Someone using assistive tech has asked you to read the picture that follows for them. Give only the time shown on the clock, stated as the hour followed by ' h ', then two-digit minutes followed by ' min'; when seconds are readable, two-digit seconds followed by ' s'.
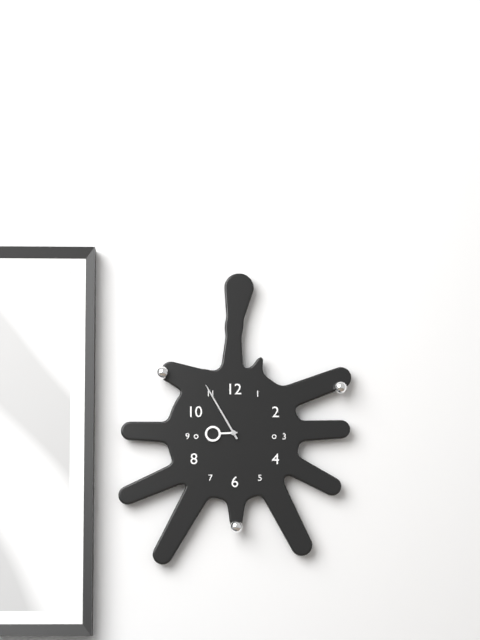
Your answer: 8 h 55 min
